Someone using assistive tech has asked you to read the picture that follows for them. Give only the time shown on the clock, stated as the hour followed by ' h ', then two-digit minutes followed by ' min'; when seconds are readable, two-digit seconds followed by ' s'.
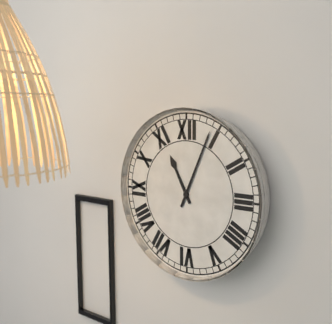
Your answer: 11 h 04 min
